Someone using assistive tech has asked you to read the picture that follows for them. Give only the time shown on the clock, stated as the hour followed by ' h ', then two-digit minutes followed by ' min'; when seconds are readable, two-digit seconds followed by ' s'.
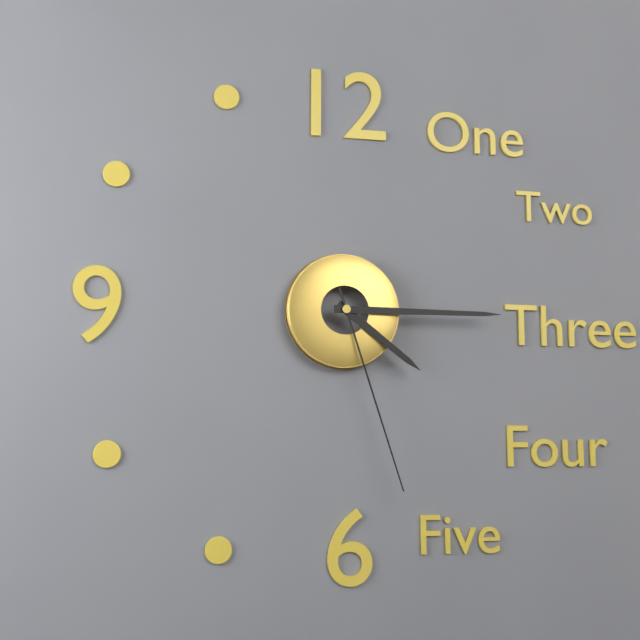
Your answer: 4 h 15 min 27 s
